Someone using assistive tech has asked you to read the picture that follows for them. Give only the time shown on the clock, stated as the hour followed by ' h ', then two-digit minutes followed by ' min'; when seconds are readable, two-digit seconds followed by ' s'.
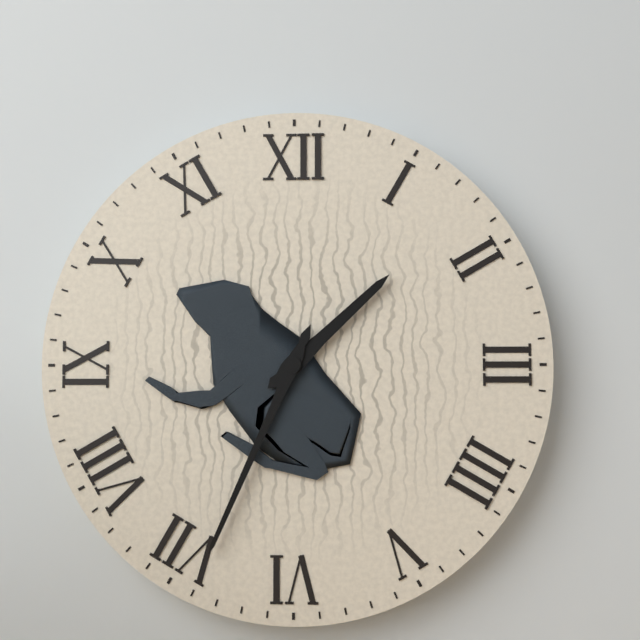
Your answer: 1 h 34 min
